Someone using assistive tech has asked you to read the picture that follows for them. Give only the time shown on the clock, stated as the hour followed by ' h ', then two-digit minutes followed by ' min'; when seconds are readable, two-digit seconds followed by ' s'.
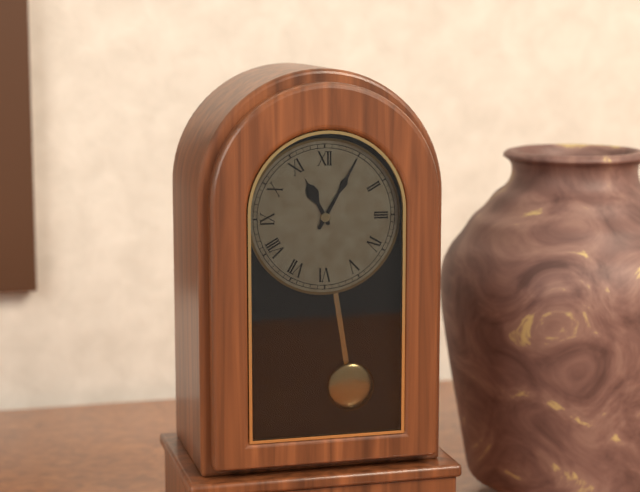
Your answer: 11 h 05 min
